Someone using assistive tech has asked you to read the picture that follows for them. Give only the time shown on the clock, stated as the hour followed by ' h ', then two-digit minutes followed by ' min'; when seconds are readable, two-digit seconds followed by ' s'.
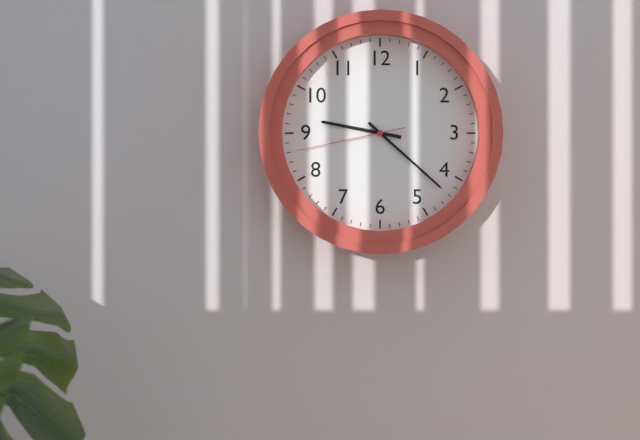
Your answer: 9 h 22 min 43 s
